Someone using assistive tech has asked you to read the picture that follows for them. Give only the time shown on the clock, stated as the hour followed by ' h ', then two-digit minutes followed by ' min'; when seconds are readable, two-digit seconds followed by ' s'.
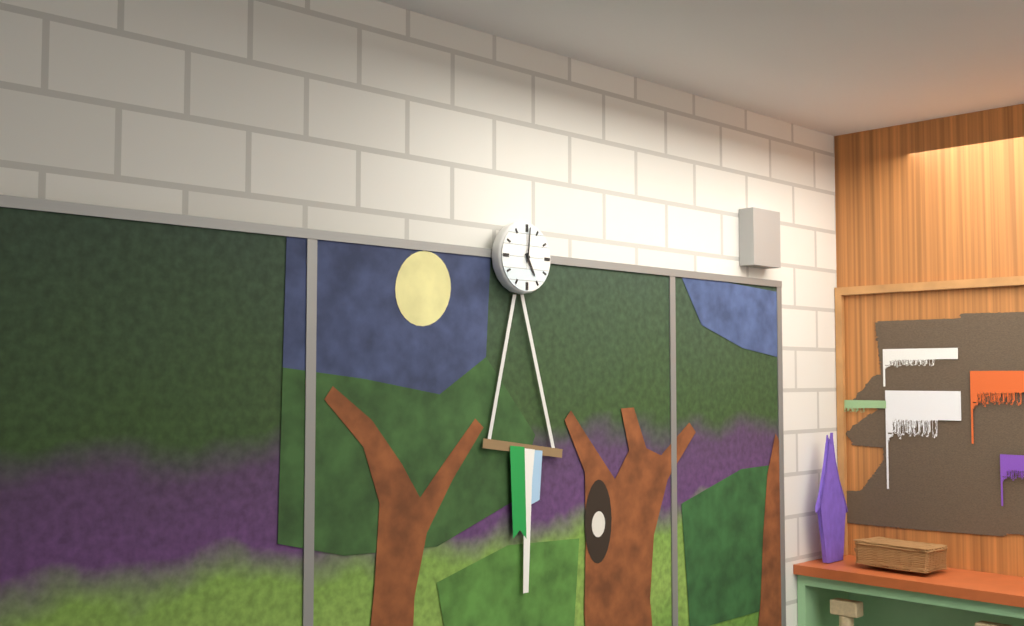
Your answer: 5 h 01 min
